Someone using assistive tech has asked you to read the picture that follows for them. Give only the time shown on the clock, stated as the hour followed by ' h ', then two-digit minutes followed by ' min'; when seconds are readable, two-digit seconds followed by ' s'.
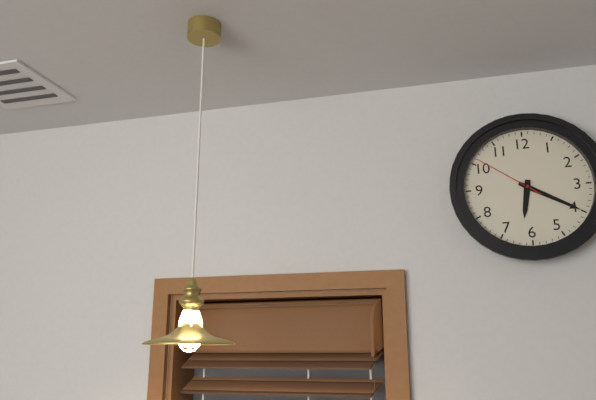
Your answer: 6 h 20 min 51 s
